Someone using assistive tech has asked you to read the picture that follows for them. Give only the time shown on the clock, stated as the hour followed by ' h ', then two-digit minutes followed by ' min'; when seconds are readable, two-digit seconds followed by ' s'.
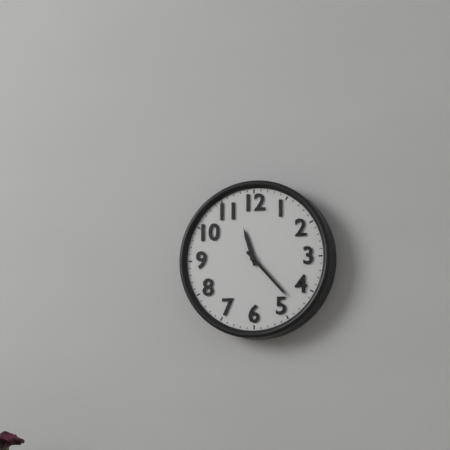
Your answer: 11 h 23 min
